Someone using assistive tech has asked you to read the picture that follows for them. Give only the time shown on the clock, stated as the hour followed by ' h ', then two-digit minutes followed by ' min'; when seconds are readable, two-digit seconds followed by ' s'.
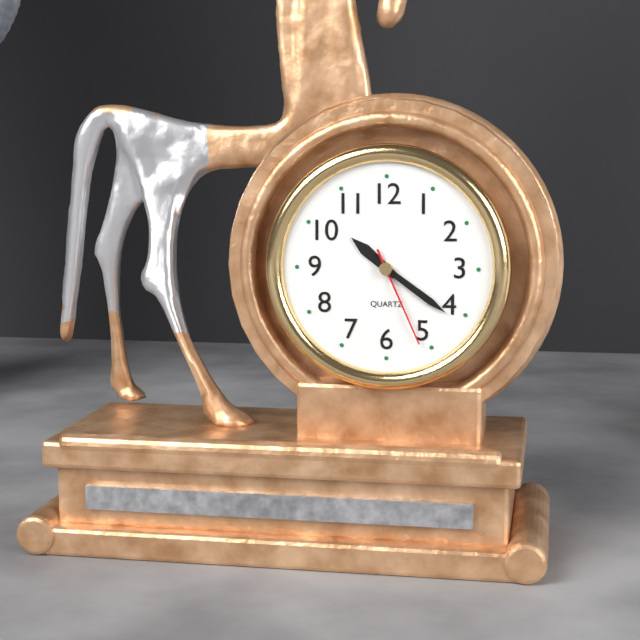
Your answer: 10 h 21 min 26 s
